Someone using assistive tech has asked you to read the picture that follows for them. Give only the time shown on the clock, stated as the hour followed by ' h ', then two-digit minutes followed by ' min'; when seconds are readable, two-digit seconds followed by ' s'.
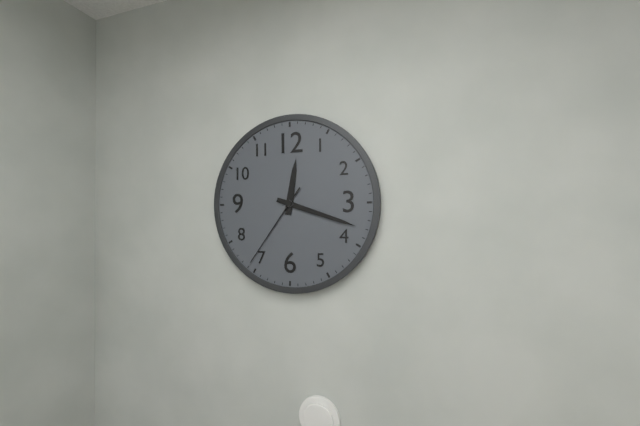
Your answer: 12 h 18 min 36 s
